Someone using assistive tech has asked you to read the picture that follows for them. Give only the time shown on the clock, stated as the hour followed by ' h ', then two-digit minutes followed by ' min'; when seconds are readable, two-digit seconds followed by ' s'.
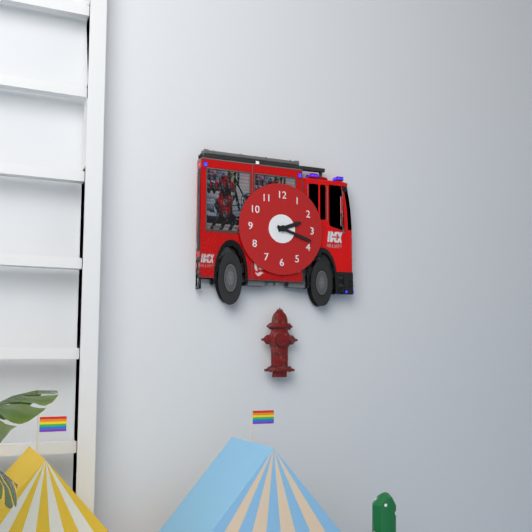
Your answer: 2 h 18 min
